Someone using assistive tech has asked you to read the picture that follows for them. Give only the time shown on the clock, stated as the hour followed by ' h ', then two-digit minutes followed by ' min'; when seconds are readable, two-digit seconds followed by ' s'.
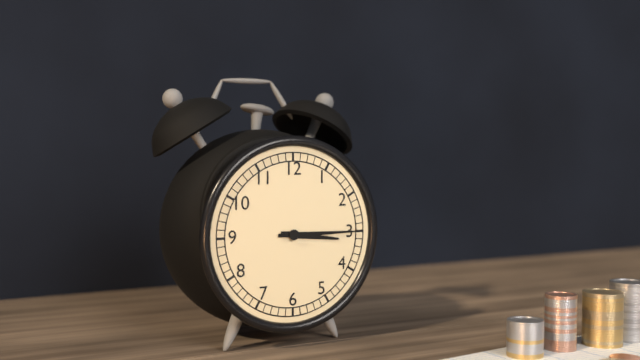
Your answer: 3 h 15 min
